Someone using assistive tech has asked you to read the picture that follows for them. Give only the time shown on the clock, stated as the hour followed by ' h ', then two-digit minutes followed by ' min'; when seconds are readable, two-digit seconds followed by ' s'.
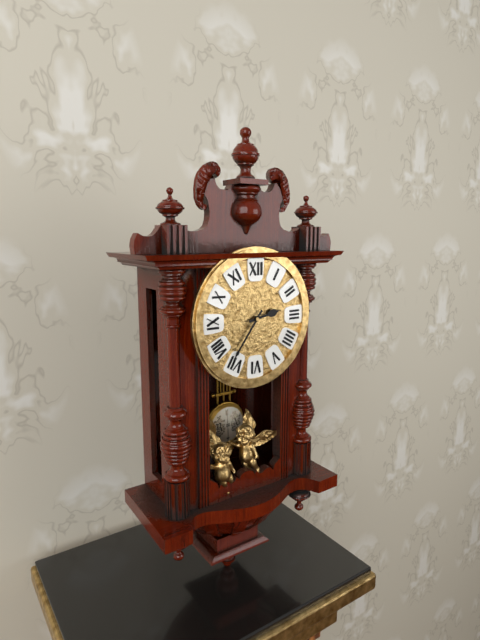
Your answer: 2 h 36 min
